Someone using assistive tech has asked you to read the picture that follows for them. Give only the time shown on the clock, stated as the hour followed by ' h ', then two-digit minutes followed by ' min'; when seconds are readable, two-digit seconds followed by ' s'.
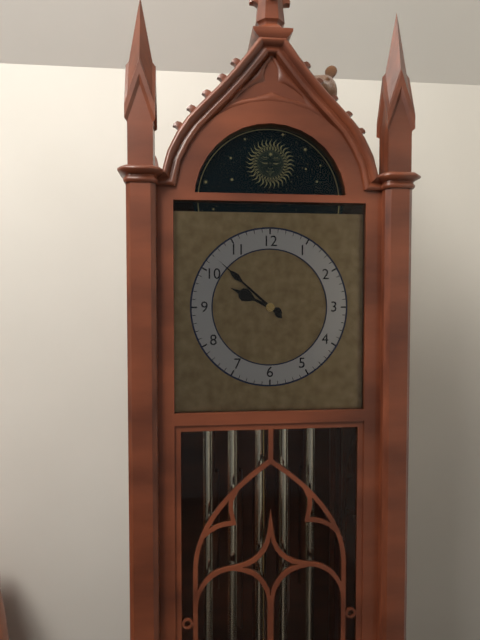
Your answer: 9 h 52 min
